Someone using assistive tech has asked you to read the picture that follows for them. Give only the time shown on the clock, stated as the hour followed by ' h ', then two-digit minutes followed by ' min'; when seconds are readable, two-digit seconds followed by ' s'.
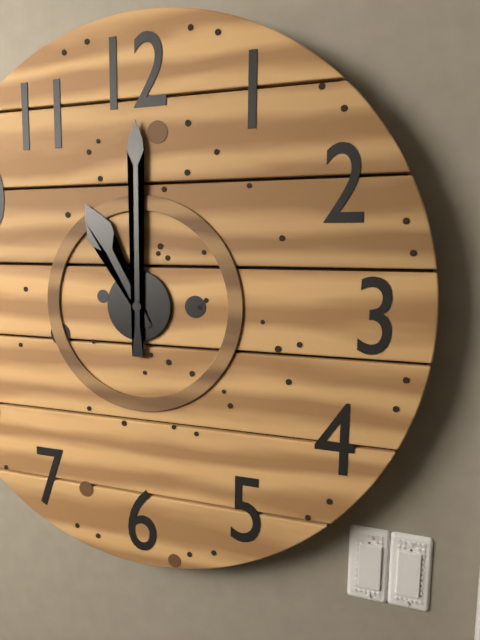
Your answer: 11 h 00 min
